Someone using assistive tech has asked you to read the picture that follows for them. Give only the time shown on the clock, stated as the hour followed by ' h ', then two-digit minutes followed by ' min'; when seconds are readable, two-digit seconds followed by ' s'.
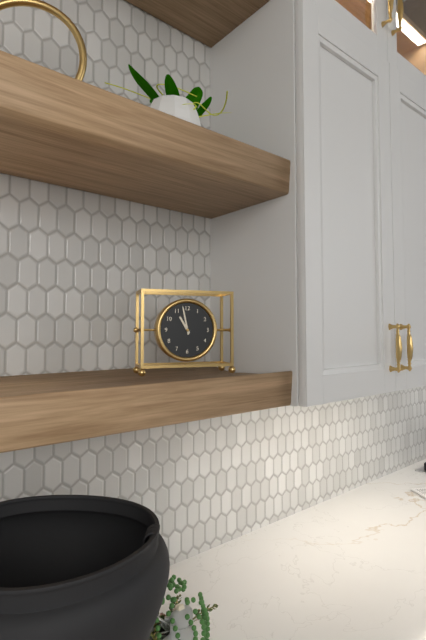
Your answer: 10 h 58 min
